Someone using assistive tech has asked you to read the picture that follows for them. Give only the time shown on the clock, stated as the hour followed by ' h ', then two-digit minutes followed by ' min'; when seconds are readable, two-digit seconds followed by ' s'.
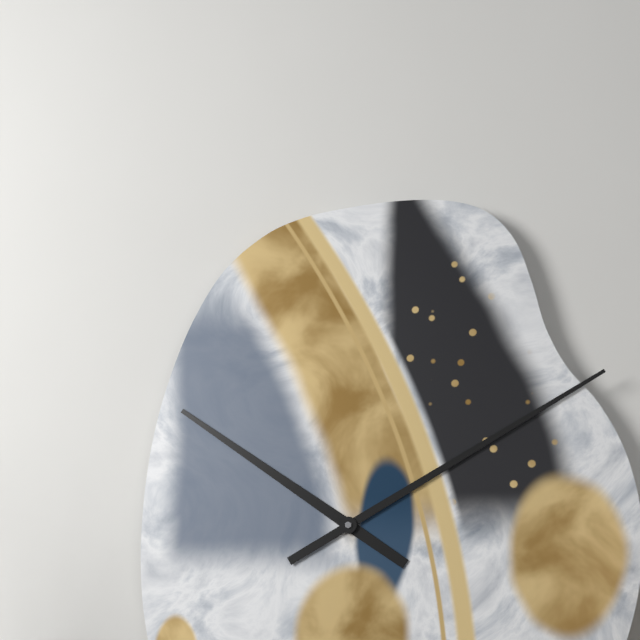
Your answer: 10 h 10 min
